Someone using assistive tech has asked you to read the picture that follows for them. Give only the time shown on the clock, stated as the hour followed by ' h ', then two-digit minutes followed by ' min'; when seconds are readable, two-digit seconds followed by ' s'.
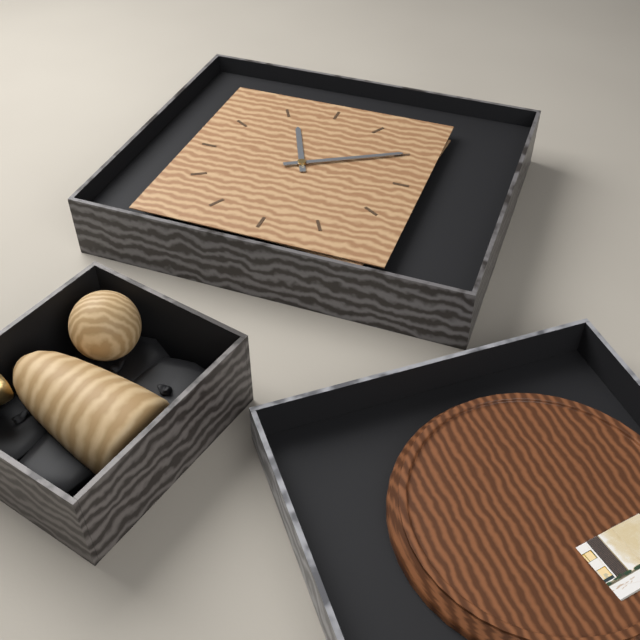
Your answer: 11 h 10 min
